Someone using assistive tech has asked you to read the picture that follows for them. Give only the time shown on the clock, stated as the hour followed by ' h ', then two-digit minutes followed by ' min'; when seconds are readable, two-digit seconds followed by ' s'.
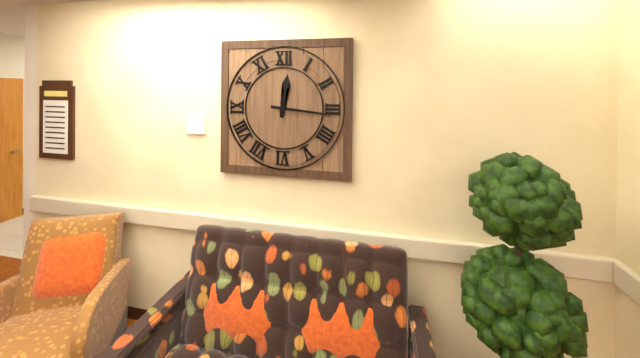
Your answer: 12 h 16 min
